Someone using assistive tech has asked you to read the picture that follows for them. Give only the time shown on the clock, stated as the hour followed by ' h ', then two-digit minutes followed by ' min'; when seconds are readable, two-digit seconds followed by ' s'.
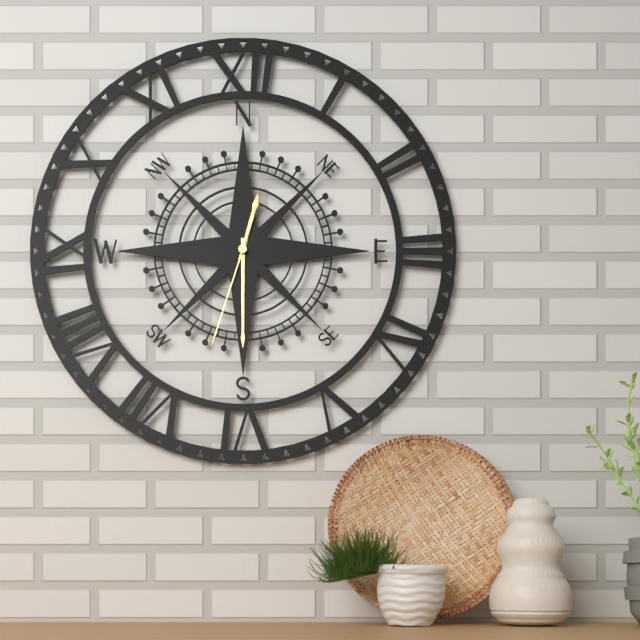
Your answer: 12 h 30 min 33 s
